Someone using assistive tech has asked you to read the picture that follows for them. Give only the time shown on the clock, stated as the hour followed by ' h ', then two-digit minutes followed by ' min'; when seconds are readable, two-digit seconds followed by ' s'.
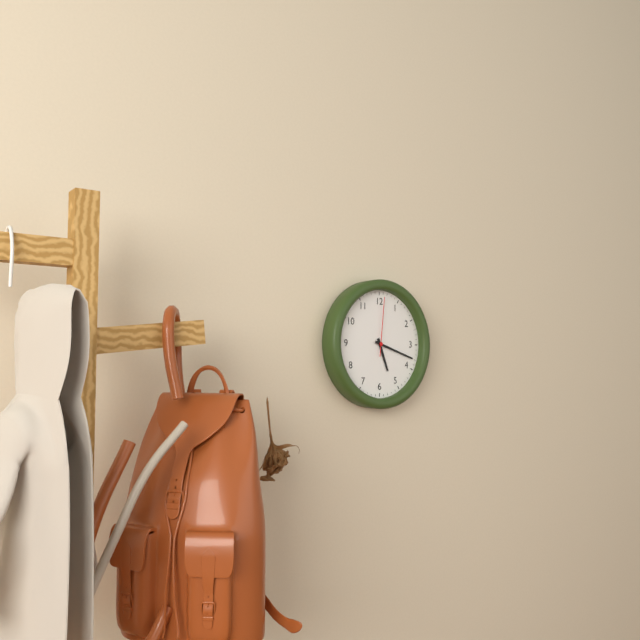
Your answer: 5 h 18 min 01 s
